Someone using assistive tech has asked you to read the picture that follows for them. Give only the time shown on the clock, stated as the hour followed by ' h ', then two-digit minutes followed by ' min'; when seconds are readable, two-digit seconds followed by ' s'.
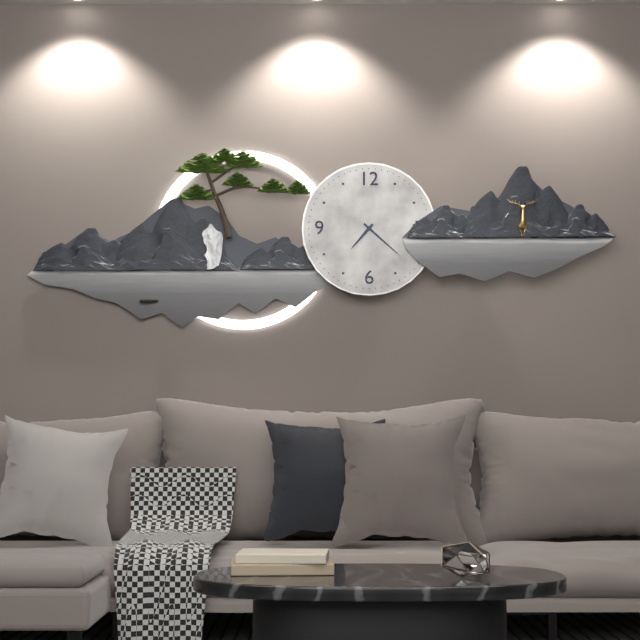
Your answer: 7 h 22 min
